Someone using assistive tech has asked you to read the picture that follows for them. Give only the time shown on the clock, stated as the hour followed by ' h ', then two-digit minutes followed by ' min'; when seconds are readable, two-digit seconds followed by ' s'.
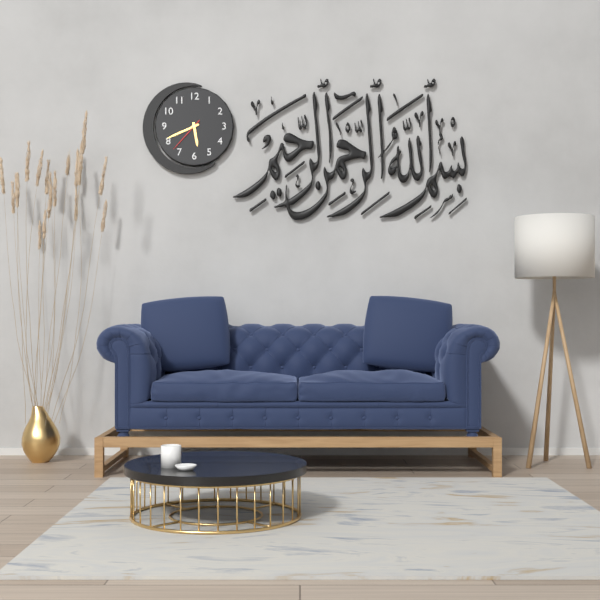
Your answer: 5 h 41 min
